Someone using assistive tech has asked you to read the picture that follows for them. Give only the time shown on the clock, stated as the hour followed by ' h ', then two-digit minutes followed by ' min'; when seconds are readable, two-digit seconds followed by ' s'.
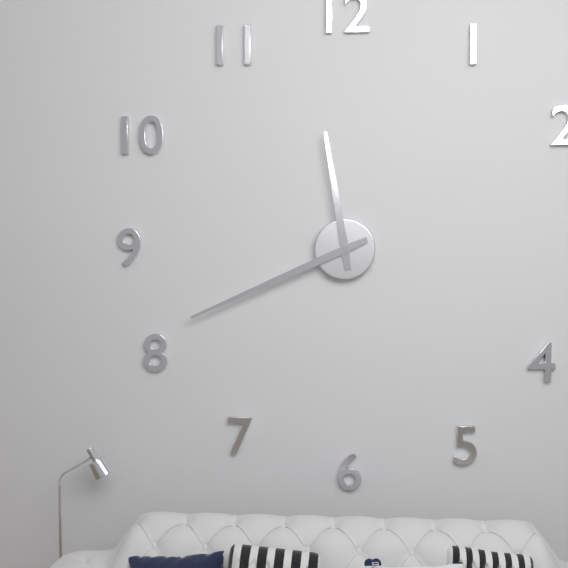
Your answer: 11 h 41 min
